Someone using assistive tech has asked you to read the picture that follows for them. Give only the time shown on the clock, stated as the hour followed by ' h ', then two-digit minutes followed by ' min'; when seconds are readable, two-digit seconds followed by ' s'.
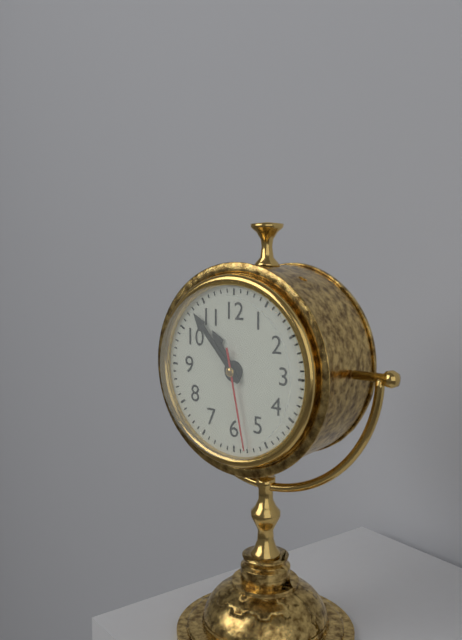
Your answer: 10 h 53 min 28 s
